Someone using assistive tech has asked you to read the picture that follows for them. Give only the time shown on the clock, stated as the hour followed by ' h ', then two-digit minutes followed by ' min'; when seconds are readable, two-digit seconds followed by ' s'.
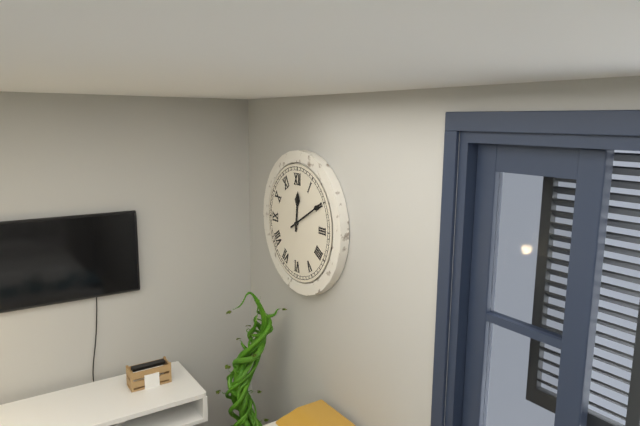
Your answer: 12 h 10 min
